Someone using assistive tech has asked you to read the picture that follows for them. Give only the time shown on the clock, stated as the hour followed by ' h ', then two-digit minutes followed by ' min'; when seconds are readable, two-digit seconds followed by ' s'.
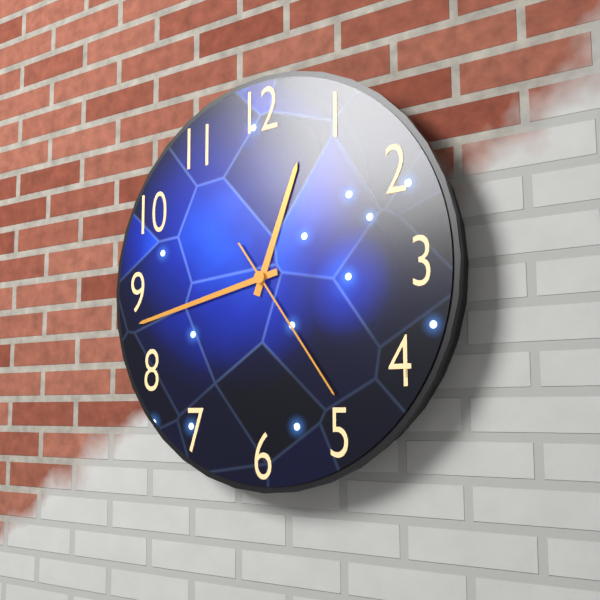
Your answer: 12 h 43 min 24 s
